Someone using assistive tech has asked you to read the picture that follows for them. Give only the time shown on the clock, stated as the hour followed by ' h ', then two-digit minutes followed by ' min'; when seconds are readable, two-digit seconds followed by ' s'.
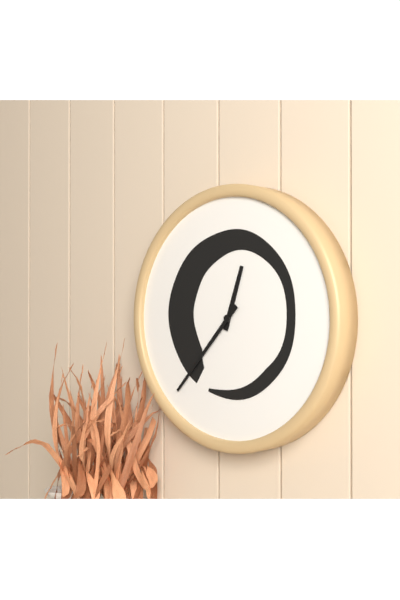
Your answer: 12 h 37 min
